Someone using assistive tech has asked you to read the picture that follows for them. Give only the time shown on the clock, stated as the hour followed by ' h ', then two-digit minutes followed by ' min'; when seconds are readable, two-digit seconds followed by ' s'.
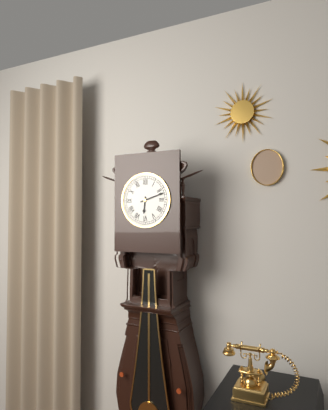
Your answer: 6 h 12 min
